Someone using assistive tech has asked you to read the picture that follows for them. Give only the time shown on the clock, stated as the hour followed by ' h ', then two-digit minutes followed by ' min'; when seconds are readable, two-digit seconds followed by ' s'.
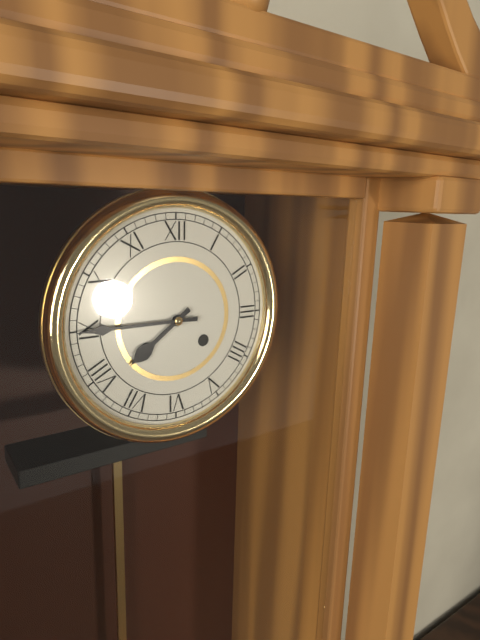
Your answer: 7 h 45 min
